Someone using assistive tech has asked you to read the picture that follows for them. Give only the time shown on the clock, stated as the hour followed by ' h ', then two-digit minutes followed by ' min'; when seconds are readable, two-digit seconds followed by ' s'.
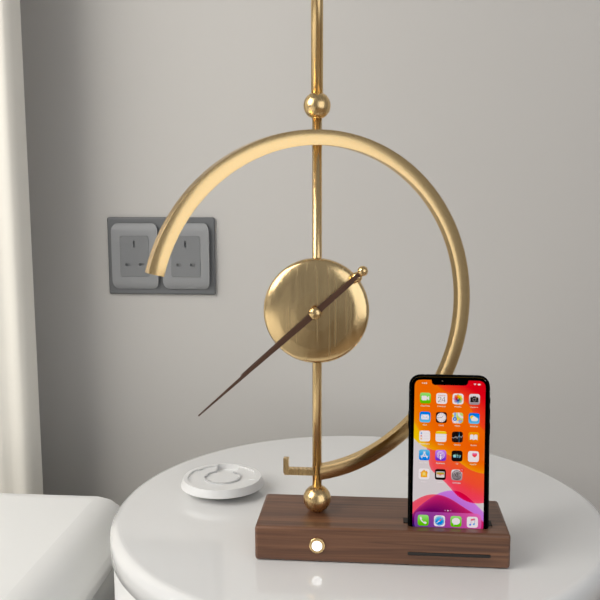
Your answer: 7 h 38 min
